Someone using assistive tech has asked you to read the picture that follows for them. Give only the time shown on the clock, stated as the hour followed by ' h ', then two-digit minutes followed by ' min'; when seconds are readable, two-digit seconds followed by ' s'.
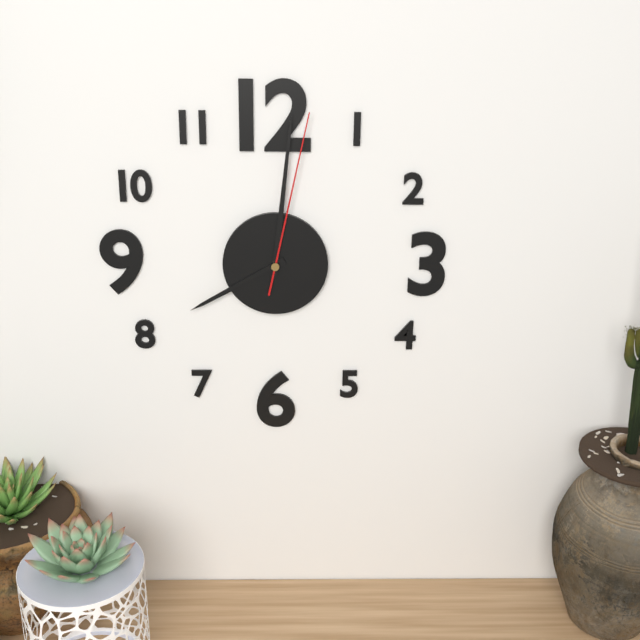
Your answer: 8 h 01 min 02 s
